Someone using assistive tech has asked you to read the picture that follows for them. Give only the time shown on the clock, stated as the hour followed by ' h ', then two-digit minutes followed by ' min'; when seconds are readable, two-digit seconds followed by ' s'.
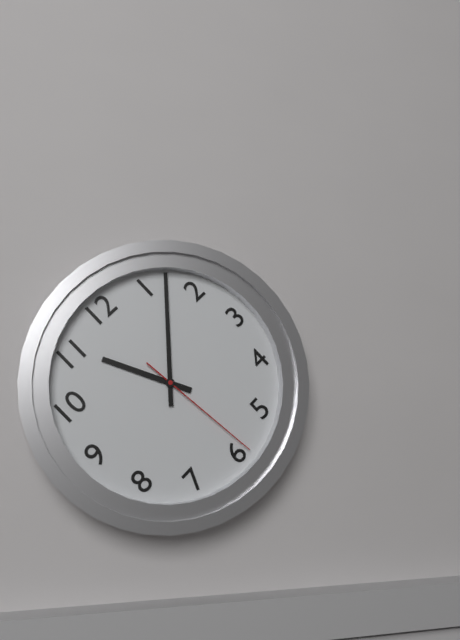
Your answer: 11 h 07 min 29 s
